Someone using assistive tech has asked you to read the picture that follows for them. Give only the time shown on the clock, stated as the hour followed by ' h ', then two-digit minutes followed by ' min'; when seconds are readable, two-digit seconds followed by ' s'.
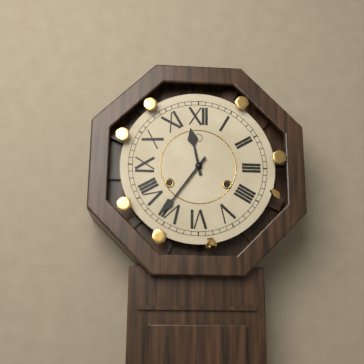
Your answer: 11 h 36 min
